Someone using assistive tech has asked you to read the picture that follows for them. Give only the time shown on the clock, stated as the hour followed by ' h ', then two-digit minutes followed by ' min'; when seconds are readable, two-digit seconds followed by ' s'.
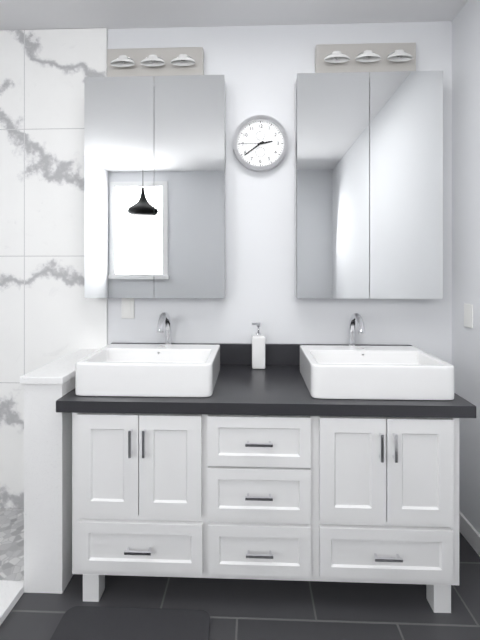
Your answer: 2 h 39 min
